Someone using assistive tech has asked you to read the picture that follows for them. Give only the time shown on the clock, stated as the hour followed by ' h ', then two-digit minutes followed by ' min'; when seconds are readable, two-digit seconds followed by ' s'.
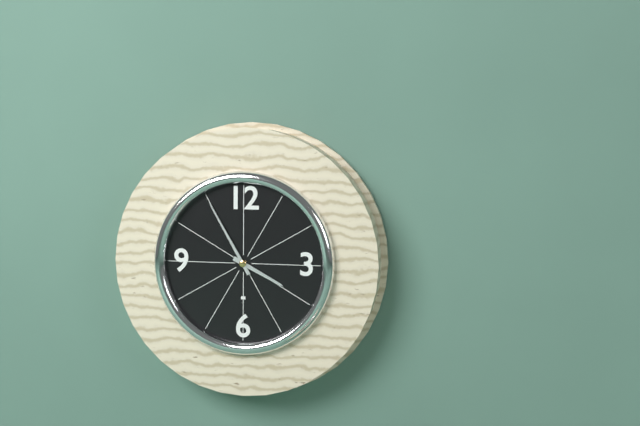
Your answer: 3 h 55 min
